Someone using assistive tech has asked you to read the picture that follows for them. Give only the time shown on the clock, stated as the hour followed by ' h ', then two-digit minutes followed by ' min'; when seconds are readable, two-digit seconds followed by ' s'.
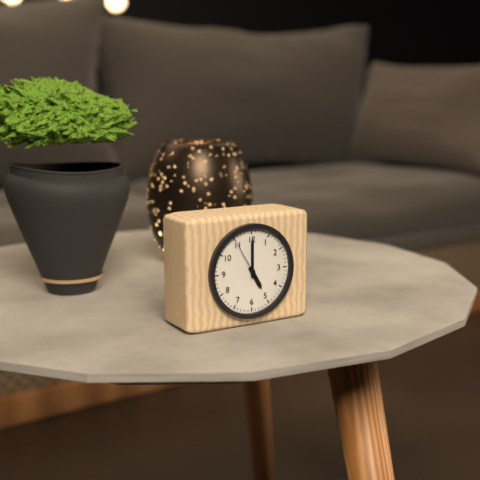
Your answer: 5 h 00 min
